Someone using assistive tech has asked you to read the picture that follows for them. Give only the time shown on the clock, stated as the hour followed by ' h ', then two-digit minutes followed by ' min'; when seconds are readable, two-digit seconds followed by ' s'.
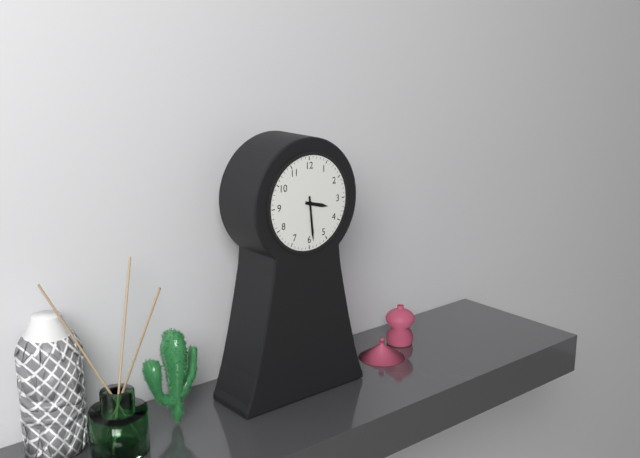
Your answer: 3 h 29 min
